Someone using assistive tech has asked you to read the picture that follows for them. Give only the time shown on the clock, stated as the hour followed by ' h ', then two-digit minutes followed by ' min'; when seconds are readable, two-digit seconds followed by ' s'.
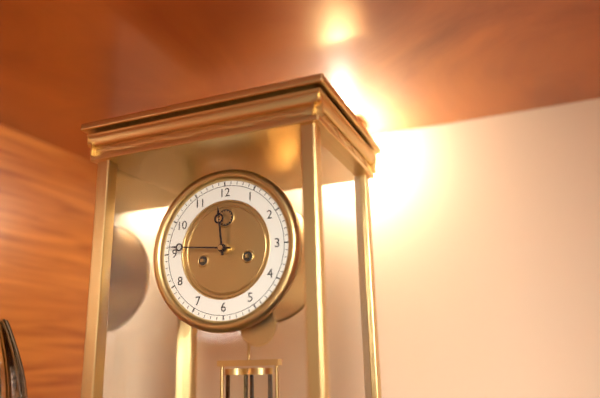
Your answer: 11 h 46 min
